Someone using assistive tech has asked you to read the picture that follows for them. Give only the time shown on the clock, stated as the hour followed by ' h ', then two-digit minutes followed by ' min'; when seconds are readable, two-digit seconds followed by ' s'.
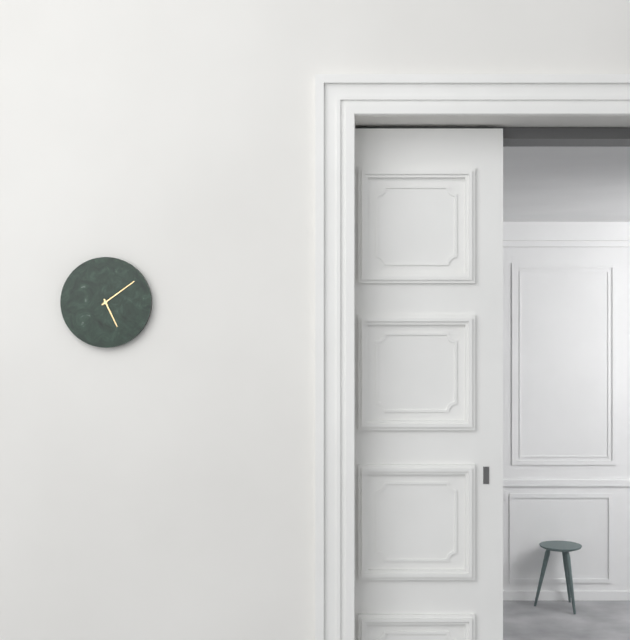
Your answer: 5 h 09 min
